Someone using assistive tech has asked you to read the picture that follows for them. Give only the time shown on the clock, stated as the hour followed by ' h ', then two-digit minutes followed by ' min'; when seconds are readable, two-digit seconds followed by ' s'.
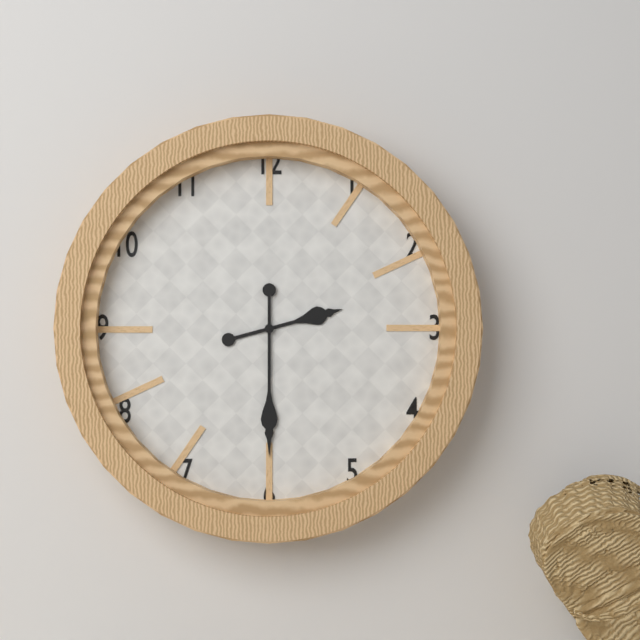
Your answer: 2 h 30 min
